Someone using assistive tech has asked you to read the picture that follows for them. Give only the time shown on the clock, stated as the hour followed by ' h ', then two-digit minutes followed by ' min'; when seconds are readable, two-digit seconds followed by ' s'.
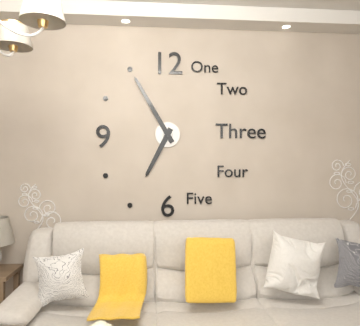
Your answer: 6 h 55 min
